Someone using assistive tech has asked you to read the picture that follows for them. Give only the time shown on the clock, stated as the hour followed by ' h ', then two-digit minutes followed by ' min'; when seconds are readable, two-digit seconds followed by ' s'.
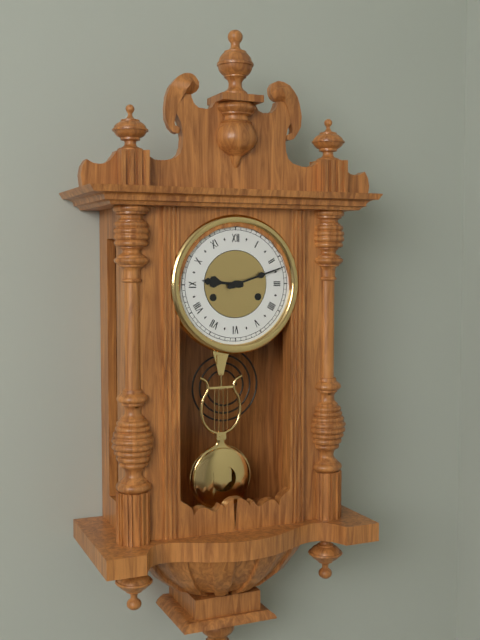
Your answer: 9 h 12 min
